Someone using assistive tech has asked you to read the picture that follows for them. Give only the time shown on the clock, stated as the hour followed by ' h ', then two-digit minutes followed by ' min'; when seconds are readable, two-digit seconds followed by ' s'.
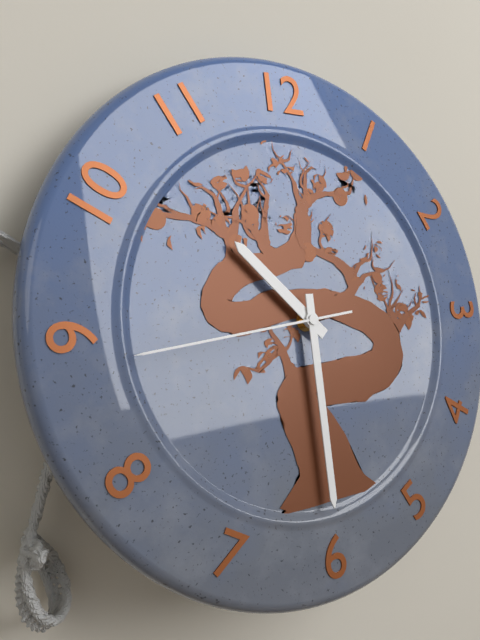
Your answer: 10 h 30 min 44 s
